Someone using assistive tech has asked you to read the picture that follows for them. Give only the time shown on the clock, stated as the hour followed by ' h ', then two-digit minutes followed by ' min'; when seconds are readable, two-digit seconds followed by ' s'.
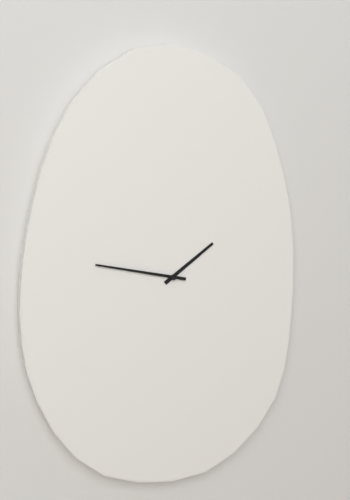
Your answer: 1 h 47 min
